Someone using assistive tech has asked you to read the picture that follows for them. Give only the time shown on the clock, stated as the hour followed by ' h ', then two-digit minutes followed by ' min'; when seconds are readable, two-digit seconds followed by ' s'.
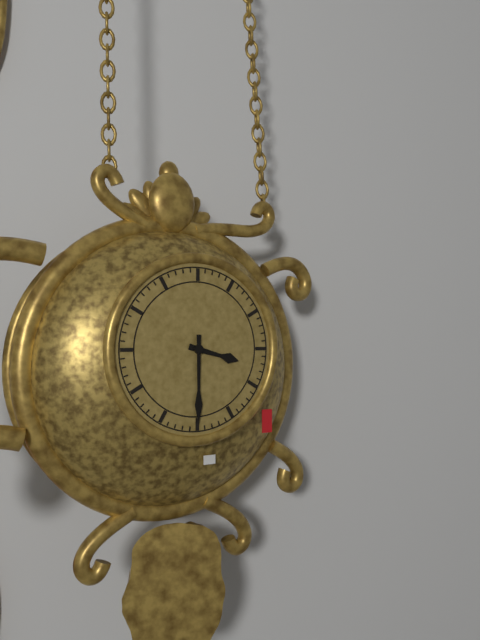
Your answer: 3 h 30 min
